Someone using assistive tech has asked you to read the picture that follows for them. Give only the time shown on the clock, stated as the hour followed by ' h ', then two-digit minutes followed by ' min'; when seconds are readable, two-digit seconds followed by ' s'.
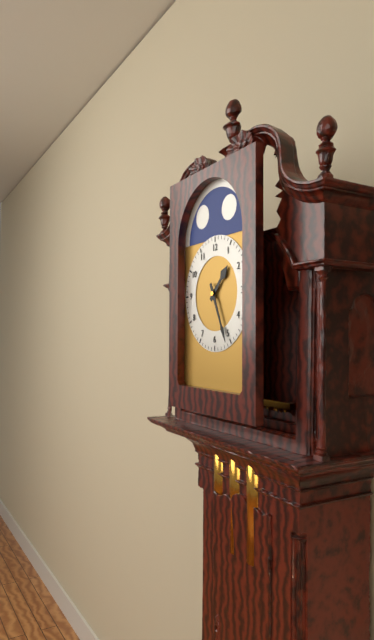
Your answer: 1 h 26 min
